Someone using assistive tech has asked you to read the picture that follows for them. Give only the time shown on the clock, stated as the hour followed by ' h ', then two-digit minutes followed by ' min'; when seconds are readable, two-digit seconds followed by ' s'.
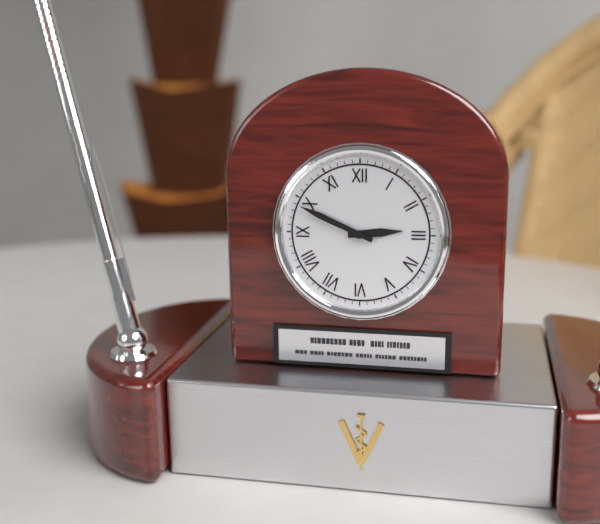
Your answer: 2 h 49 min
